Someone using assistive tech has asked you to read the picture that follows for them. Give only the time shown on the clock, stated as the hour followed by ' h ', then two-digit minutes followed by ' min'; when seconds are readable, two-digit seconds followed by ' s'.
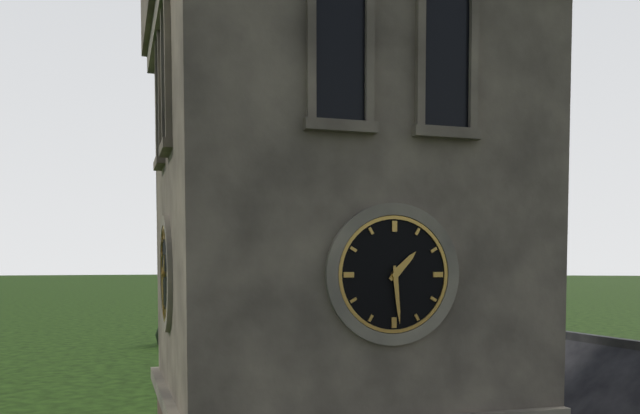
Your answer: 1 h 29 min
